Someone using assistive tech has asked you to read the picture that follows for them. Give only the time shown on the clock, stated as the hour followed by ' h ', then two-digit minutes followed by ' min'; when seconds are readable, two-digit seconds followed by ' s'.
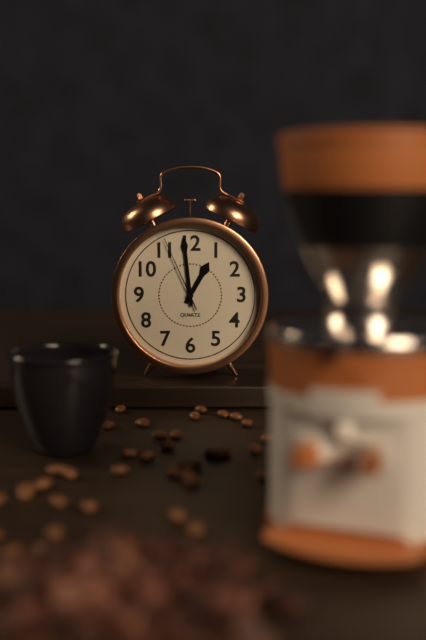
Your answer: 12 h 59 min 56 s
